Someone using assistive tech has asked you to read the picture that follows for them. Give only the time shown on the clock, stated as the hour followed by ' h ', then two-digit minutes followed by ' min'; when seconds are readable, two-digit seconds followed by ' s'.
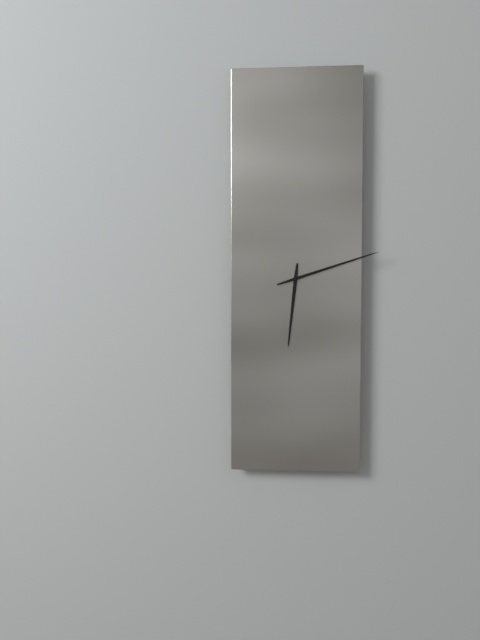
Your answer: 6 h 12 min
